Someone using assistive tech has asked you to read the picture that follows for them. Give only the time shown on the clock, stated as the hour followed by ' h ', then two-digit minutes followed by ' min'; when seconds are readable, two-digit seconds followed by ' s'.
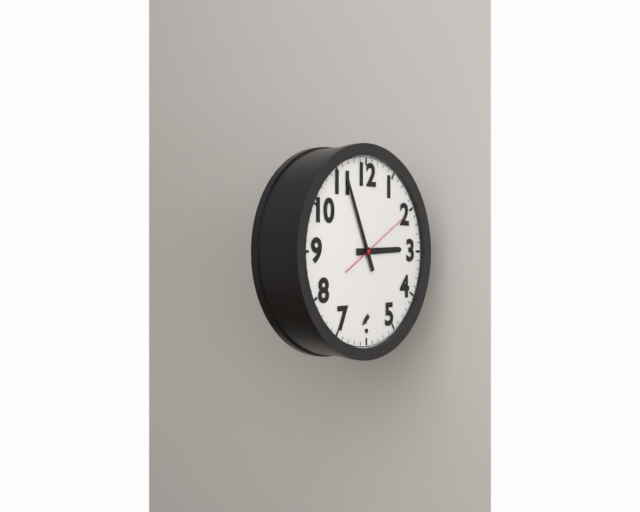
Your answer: 2 h 56 min 10 s
